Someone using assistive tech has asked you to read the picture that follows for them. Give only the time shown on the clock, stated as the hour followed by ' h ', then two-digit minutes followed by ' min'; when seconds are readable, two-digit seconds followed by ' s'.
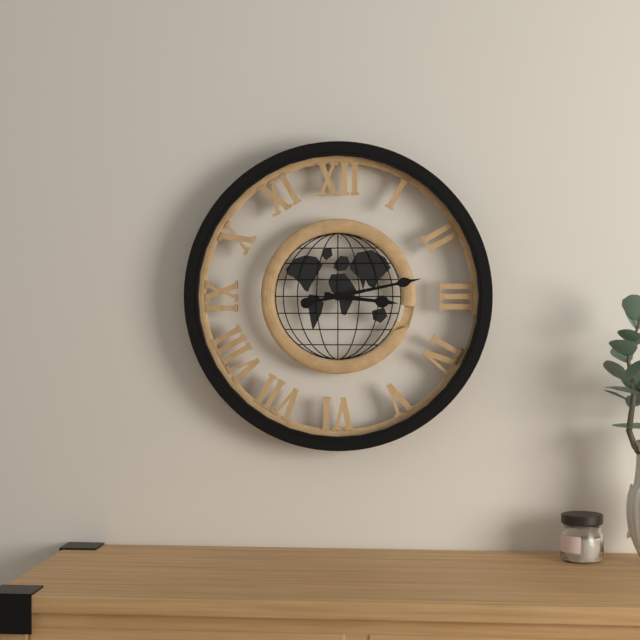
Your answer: 3 h 13 min
